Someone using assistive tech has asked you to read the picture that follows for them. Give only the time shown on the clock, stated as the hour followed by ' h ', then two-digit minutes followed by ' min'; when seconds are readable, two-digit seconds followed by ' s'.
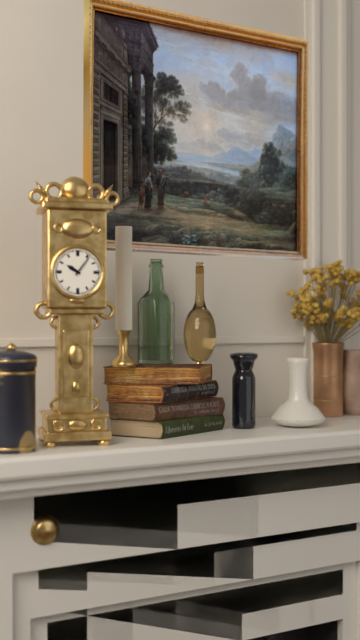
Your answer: 10 h 06 min
